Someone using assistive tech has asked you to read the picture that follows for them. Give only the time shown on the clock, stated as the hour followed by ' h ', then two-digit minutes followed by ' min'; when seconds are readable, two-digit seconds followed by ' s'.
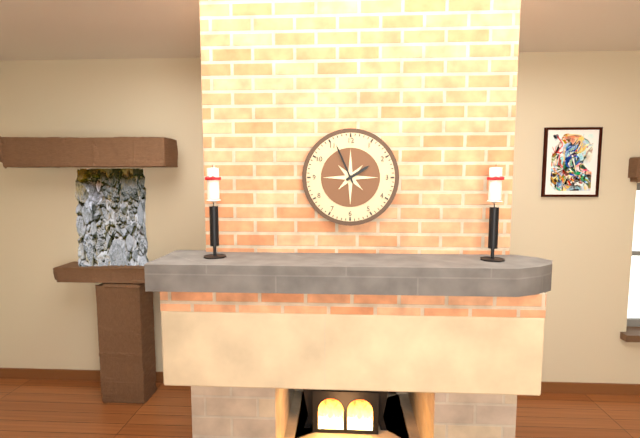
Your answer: 1 h 56 min
